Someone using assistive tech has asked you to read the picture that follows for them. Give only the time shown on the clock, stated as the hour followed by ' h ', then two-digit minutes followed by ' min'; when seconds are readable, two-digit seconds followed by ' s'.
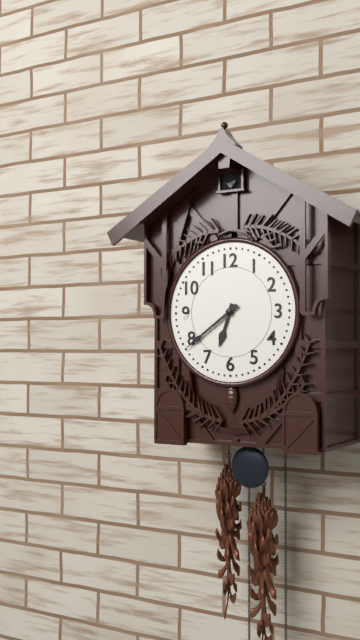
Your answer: 6 h 39 min
